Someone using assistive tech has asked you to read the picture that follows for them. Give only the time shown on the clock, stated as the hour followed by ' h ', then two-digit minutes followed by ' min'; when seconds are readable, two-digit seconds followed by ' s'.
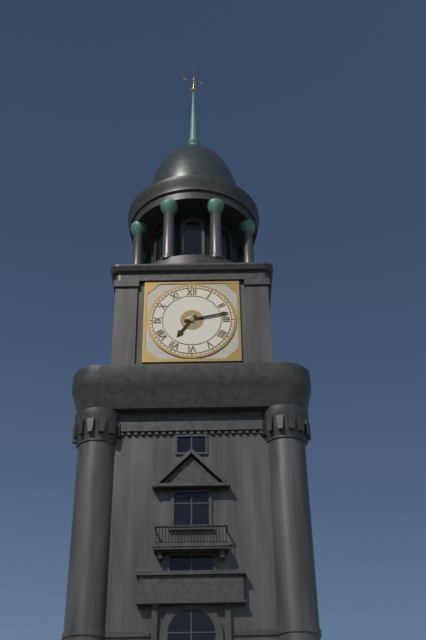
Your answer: 7 h 13 min
